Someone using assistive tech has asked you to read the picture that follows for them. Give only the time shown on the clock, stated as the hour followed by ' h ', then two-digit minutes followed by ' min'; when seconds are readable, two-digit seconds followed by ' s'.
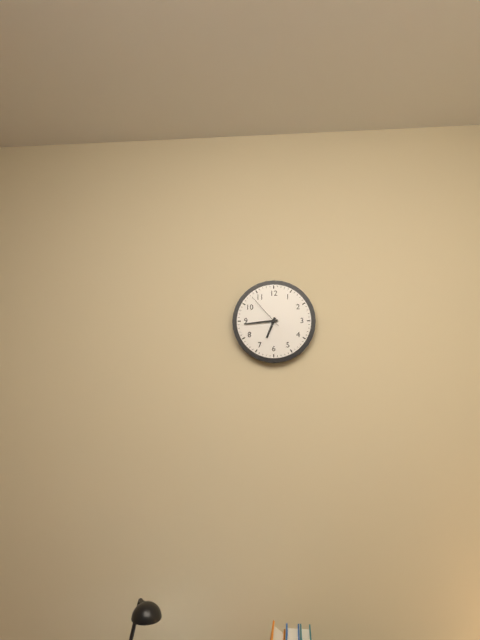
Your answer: 6 h 44 min
